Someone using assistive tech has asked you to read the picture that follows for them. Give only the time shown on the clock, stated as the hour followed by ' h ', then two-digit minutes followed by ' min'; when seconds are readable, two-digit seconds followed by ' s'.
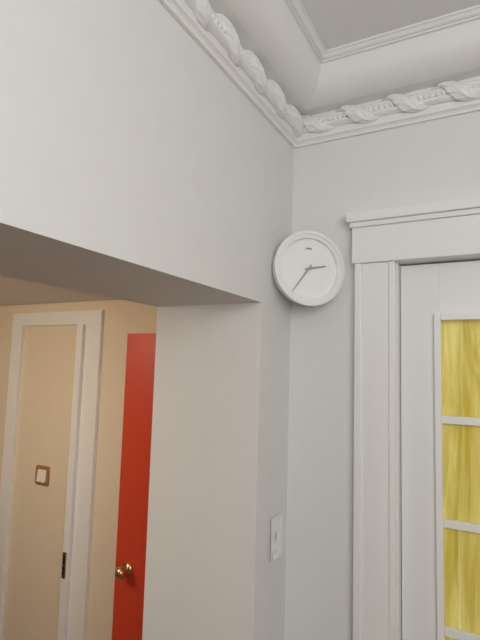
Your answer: 2 h 36 min
